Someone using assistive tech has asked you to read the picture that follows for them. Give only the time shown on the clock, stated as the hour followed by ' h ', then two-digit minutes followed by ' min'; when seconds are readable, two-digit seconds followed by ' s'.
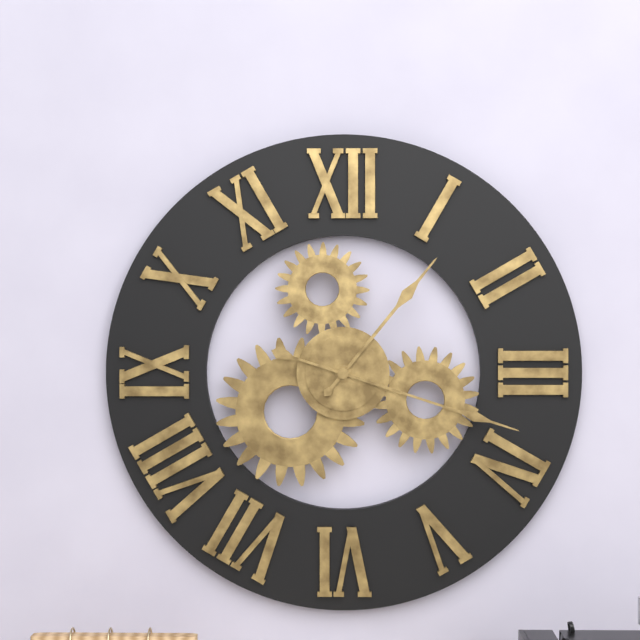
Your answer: 1 h 18 min
